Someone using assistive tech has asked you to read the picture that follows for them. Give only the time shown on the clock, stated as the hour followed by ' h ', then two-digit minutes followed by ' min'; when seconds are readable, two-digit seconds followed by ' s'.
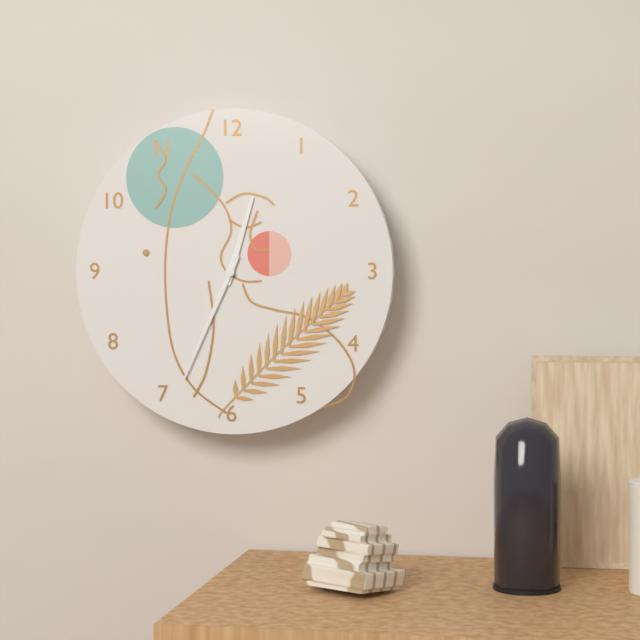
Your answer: 12 h 34 min
